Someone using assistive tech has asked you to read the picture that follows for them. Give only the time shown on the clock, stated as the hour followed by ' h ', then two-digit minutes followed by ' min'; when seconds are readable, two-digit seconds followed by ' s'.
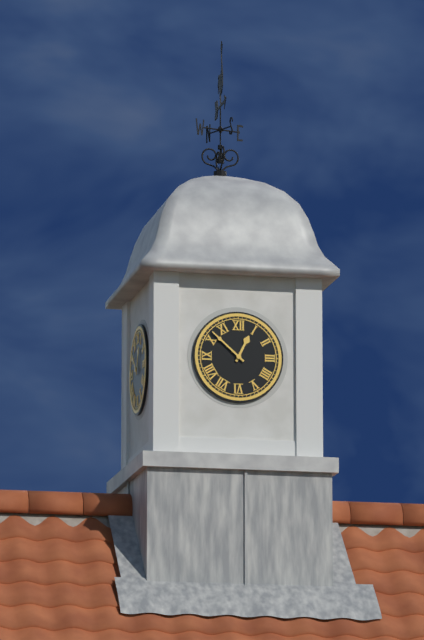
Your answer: 12 h 52 min
